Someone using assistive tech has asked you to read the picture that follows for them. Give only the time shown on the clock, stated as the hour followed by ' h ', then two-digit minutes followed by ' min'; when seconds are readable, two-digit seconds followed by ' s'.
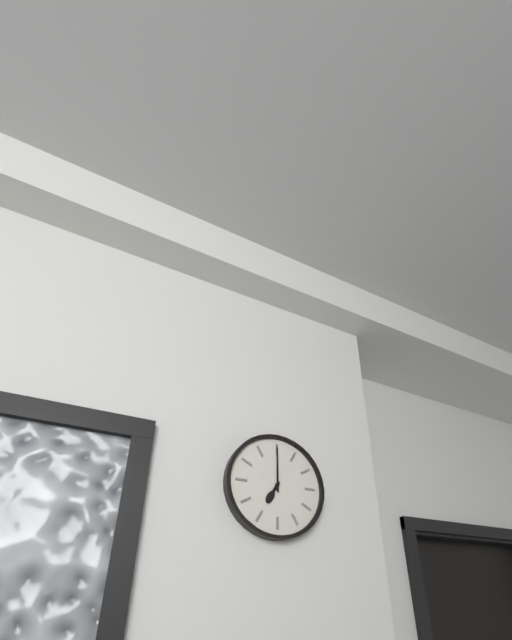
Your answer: 7 h 00 min
